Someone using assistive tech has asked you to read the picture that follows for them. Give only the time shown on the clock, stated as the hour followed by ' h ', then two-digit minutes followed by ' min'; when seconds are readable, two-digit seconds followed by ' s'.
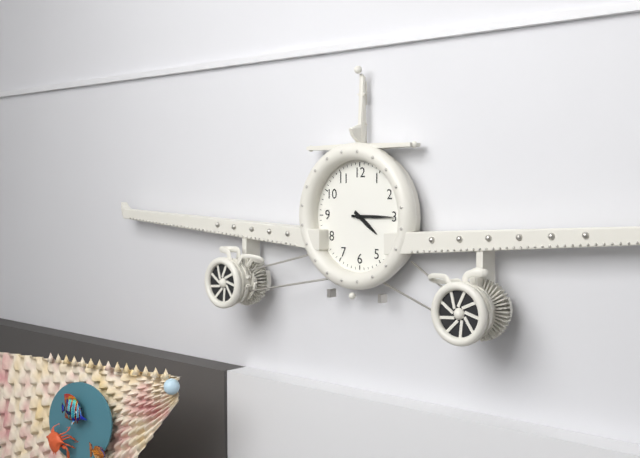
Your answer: 4 h 15 min
